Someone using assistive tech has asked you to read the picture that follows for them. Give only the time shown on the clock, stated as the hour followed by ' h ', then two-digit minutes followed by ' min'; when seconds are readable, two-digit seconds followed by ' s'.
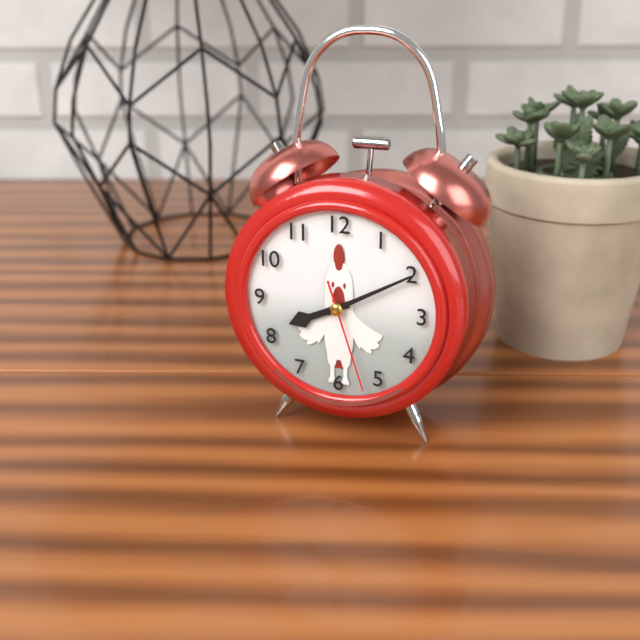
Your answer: 8 h 10 min 27 s
